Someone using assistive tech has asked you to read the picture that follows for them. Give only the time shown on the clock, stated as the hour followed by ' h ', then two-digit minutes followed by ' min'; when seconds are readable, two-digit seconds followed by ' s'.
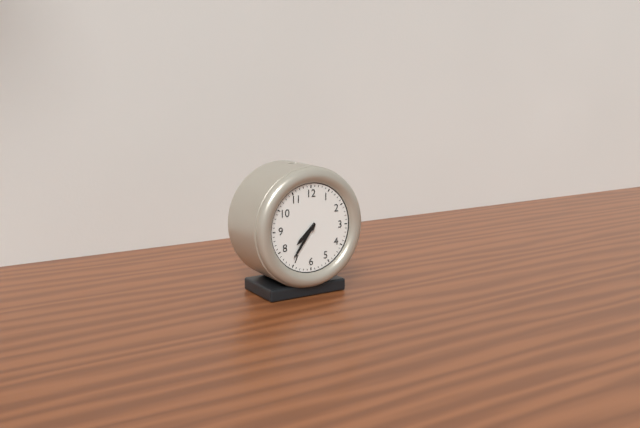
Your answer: 7 h 36 min
